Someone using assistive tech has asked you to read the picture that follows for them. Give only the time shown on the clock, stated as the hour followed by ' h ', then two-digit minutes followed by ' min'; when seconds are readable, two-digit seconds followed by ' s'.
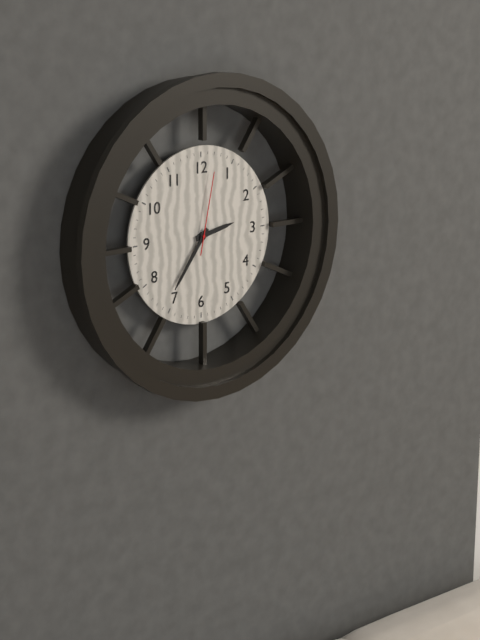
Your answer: 2 h 36 min 02 s
